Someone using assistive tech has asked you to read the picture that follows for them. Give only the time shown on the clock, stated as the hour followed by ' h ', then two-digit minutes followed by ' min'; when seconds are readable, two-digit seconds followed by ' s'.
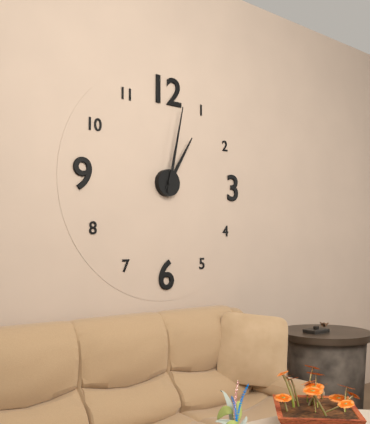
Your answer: 1 h 02 min
